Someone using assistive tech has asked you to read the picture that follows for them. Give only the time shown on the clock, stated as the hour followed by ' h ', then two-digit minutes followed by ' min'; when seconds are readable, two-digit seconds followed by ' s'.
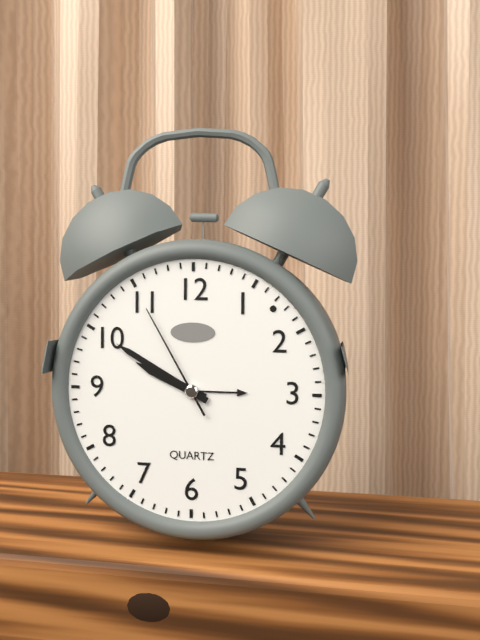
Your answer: 9 h 50 min 55 s
